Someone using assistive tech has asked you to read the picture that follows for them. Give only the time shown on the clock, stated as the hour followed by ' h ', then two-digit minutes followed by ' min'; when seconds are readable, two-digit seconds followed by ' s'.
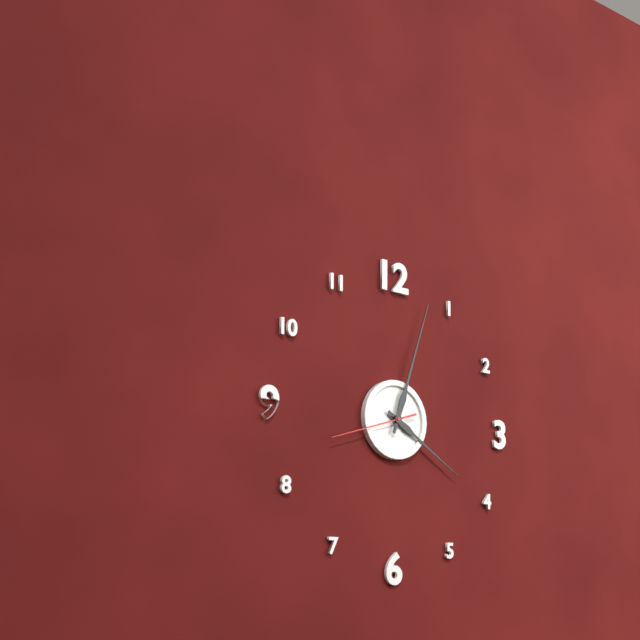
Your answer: 4 h 03 min 42 s
